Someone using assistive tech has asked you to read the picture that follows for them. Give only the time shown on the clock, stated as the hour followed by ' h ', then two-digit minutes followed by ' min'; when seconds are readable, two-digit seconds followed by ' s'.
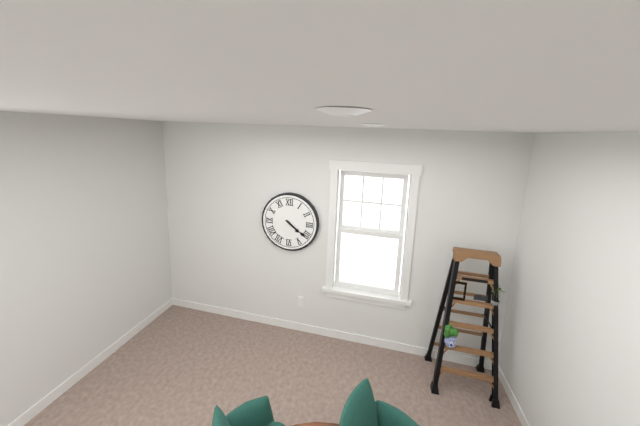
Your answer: 4 h 21 min
